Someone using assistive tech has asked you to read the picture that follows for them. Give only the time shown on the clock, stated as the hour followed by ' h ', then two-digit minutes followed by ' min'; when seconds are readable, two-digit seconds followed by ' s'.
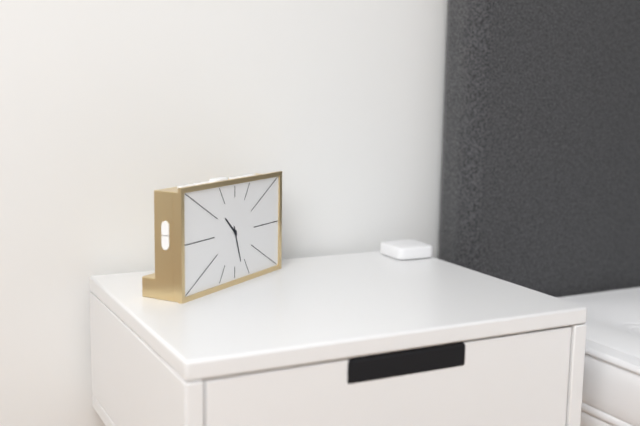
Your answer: 10 h 27 min
